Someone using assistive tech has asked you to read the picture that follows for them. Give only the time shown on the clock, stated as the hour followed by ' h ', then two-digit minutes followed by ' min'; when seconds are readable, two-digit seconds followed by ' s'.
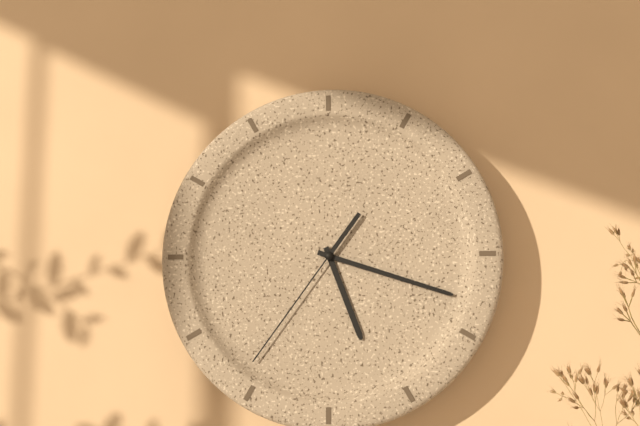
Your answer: 5 h 18 min 36 s
